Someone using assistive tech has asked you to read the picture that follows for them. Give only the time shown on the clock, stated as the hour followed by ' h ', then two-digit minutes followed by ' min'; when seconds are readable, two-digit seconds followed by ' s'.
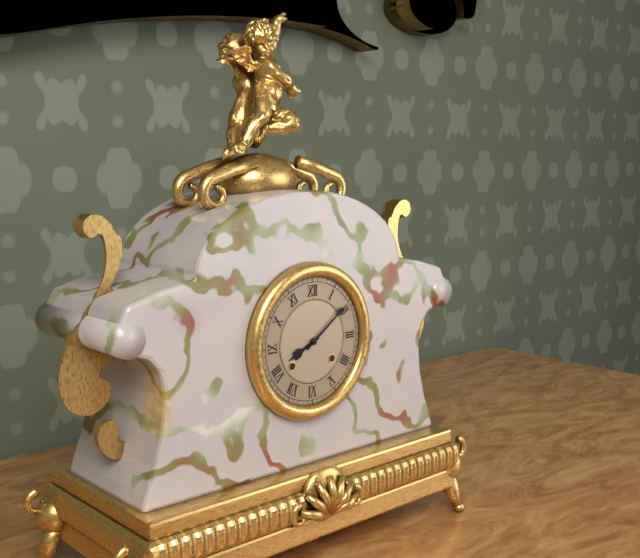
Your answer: 8 h 09 min
